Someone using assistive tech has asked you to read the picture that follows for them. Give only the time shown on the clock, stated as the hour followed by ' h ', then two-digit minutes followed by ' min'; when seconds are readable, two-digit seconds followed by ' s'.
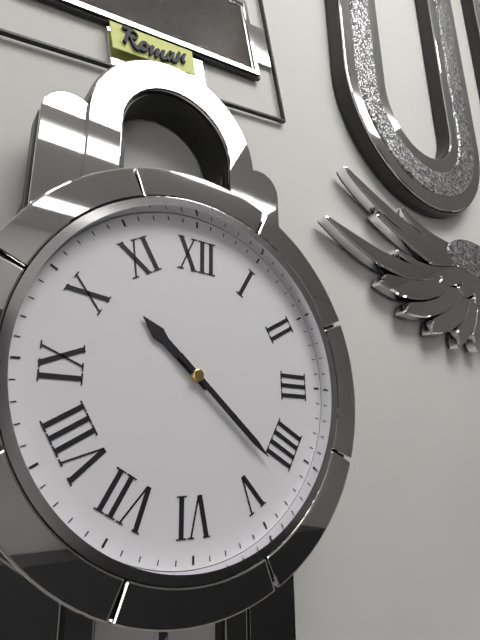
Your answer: 10 h 22 min
